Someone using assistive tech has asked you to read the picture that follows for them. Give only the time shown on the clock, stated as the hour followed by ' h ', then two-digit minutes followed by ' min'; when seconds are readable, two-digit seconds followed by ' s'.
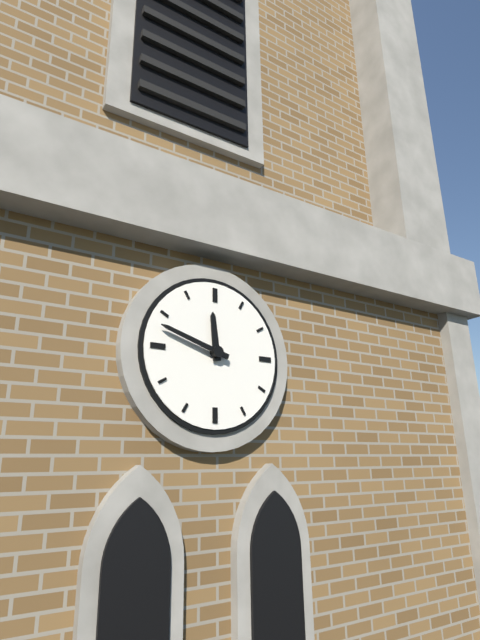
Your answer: 11 h 48 min
